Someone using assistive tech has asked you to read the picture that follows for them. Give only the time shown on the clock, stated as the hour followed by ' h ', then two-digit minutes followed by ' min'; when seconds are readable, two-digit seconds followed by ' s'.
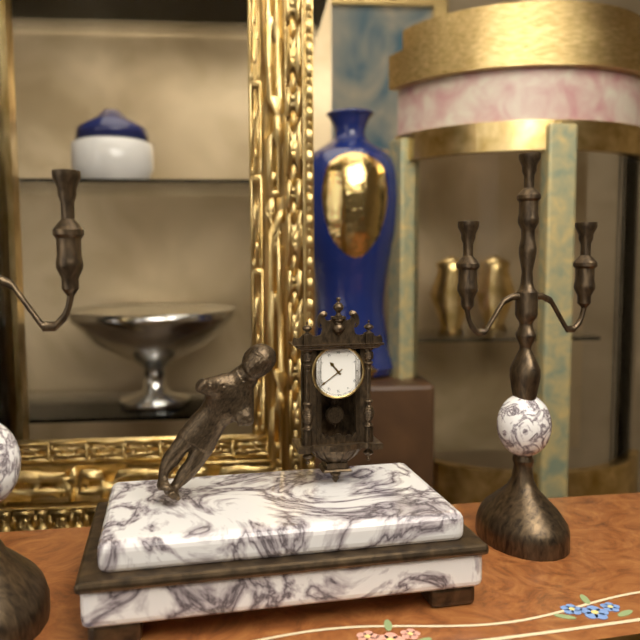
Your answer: 10 h 39 min
